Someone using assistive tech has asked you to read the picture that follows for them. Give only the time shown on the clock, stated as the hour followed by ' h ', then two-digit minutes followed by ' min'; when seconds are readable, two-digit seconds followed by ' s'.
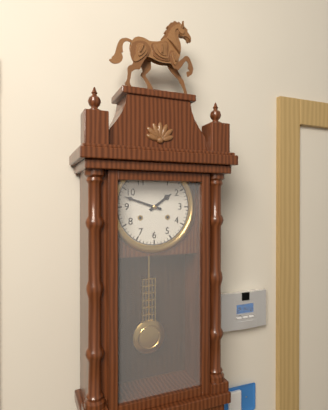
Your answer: 1 h 48 min
